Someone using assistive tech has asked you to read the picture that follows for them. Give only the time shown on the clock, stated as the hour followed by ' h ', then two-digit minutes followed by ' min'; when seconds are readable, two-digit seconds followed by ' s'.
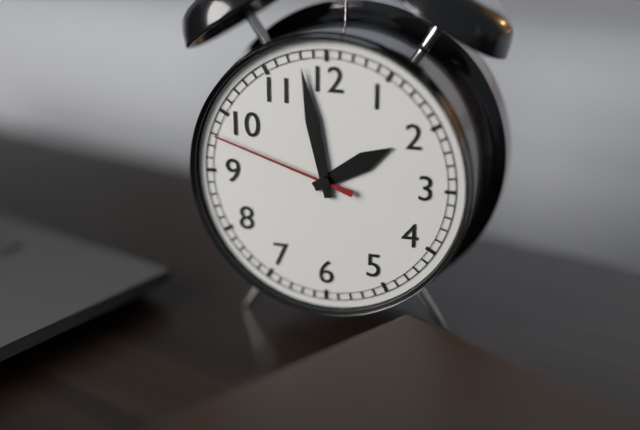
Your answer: 1 h 58 min 48 s
